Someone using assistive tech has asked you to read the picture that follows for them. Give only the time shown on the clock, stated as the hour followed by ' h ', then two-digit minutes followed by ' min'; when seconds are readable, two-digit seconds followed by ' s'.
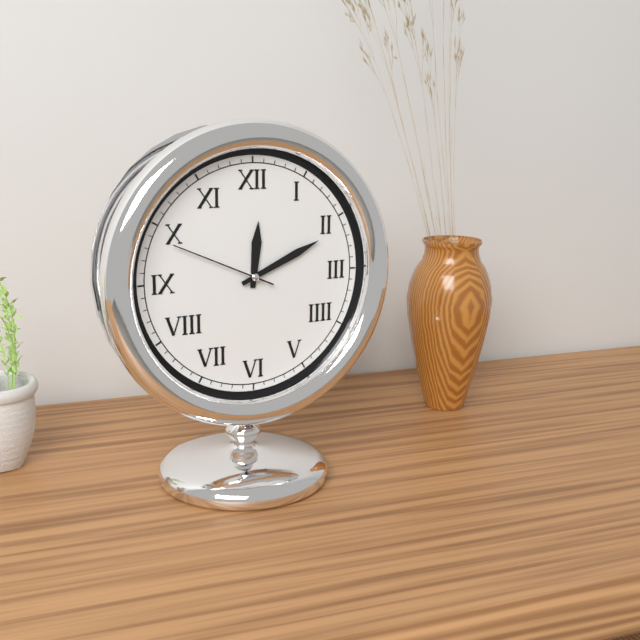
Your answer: 12 h 11 min 49 s
